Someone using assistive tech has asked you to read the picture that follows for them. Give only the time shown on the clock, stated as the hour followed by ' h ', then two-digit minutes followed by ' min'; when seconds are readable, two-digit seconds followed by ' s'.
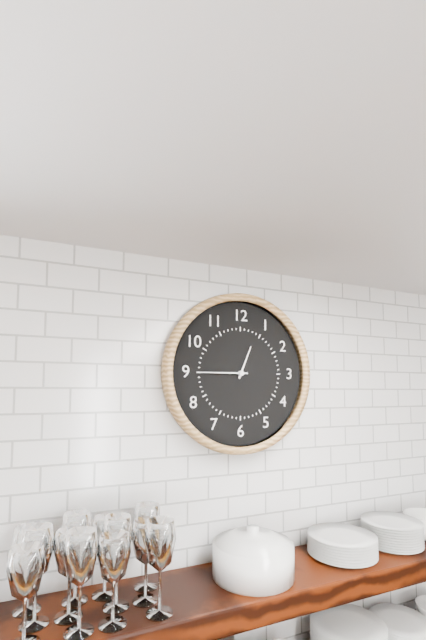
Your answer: 12 h 45 min
